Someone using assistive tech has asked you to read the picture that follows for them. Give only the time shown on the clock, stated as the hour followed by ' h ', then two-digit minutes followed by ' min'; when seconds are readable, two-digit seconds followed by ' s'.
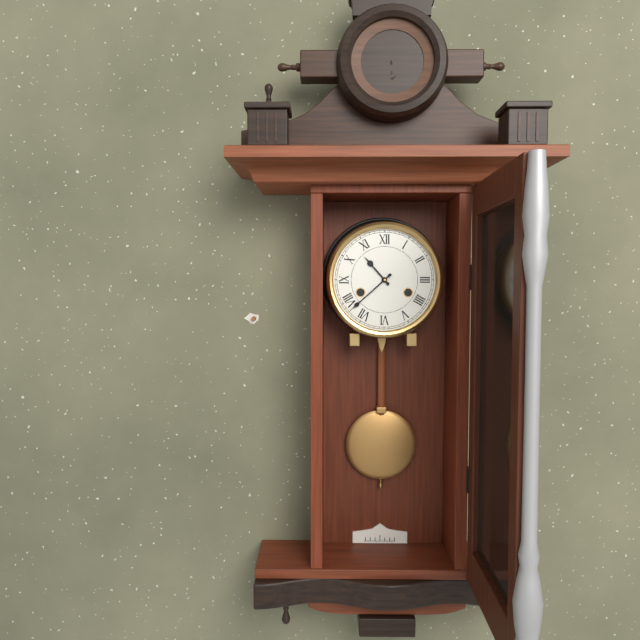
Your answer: 10 h 38 min
